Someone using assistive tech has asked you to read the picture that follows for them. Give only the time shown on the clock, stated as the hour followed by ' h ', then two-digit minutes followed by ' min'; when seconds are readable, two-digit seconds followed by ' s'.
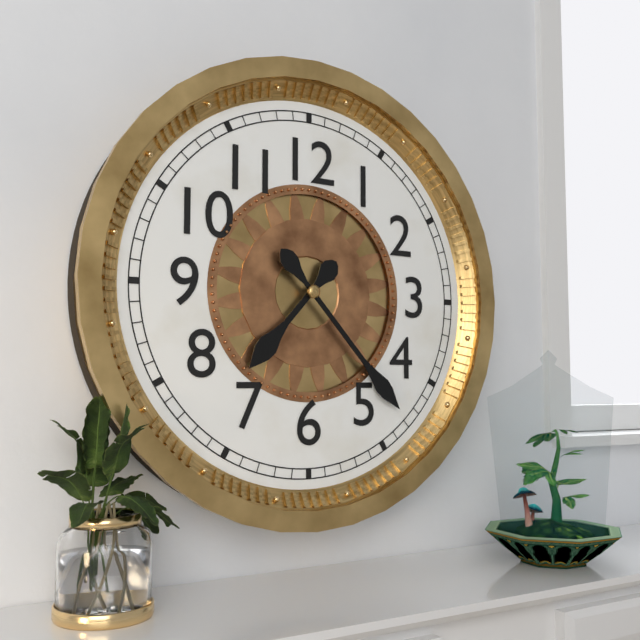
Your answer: 7 h 23 min
